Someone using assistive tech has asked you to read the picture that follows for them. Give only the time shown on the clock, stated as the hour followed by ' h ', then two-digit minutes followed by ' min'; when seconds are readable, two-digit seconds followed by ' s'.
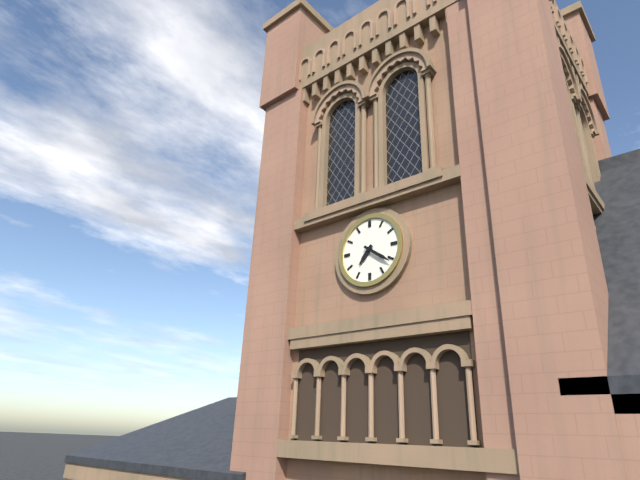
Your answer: 7 h 21 min
